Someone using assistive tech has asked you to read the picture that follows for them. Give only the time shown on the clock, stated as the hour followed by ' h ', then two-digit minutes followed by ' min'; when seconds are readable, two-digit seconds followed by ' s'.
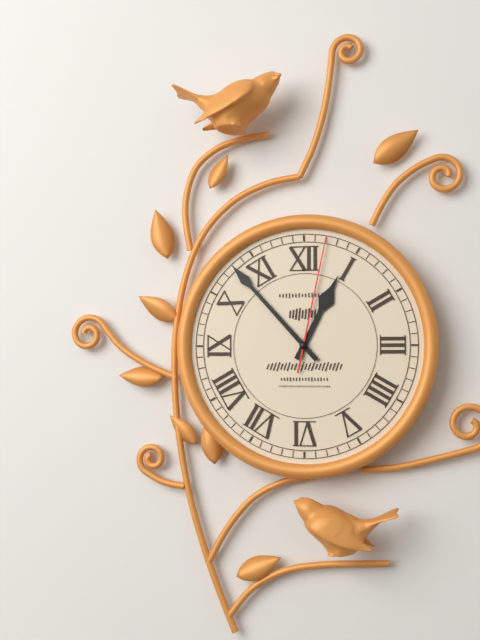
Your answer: 12 h 53 min 02 s
